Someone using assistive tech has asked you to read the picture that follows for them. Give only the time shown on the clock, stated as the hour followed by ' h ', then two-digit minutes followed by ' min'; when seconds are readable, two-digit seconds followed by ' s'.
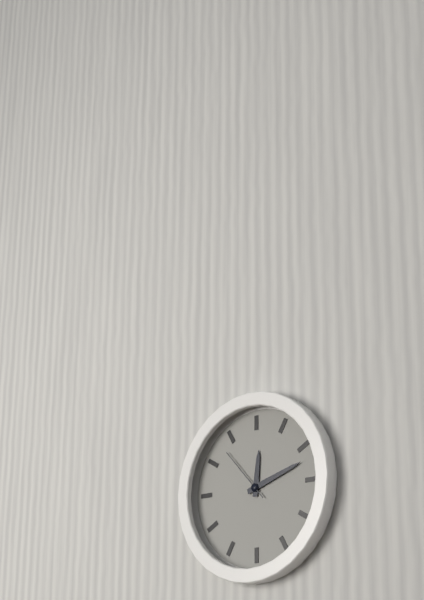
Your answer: 12 h 12 min 53 s
